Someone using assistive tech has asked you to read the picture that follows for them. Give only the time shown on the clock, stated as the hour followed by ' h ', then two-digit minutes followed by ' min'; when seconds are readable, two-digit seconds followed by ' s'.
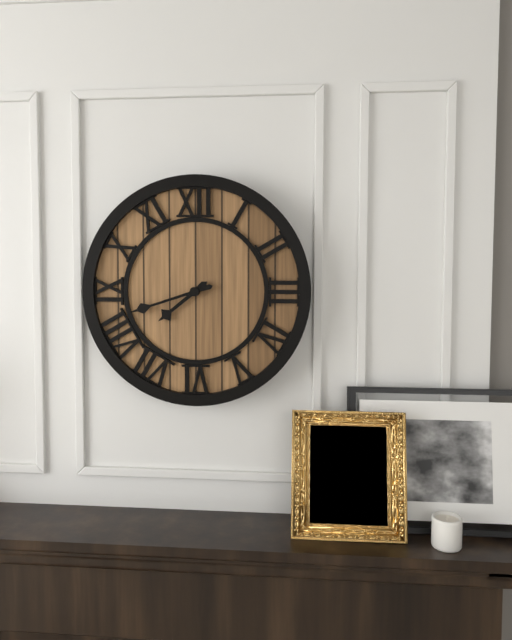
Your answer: 7 h 42 min
